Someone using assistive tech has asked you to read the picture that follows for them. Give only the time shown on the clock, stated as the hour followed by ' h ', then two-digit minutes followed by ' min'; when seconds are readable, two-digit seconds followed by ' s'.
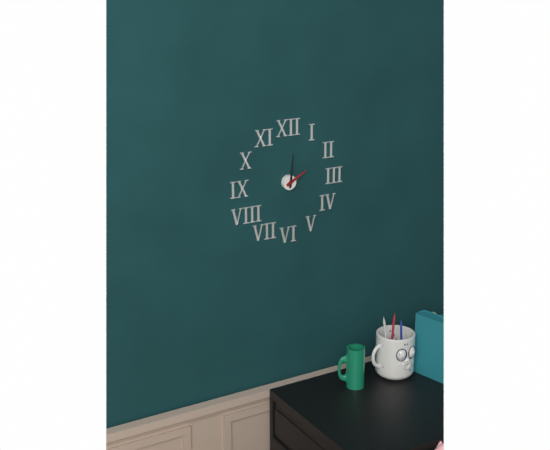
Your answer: 2 h 01 min
